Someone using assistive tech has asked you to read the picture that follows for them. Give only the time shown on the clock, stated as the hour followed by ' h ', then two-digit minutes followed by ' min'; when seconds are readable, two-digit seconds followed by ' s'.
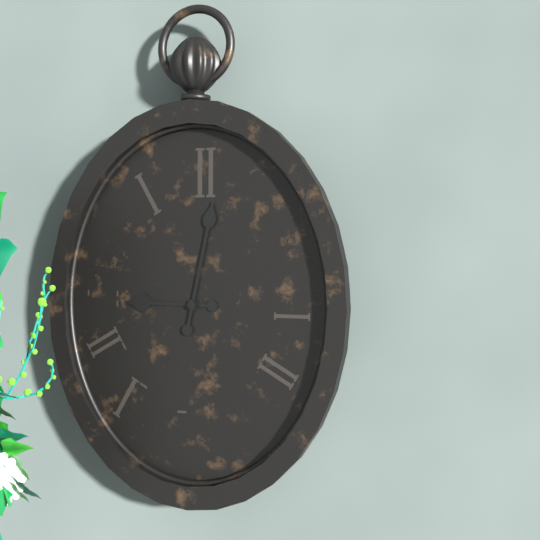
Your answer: 9 h 02 min
